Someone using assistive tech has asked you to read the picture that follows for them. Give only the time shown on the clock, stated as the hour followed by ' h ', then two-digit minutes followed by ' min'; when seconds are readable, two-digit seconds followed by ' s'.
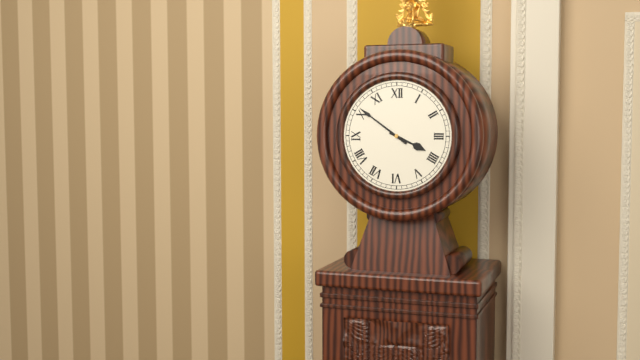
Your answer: 3 h 51 min
